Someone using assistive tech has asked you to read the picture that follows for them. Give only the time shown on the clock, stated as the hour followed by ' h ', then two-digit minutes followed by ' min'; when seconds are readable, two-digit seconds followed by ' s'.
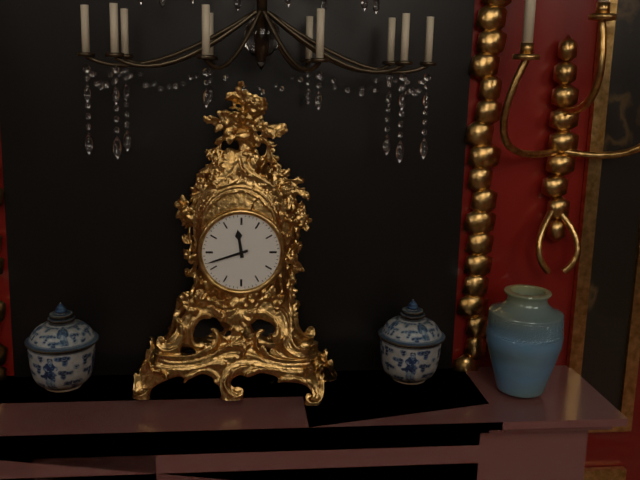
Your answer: 11 h 42 min
